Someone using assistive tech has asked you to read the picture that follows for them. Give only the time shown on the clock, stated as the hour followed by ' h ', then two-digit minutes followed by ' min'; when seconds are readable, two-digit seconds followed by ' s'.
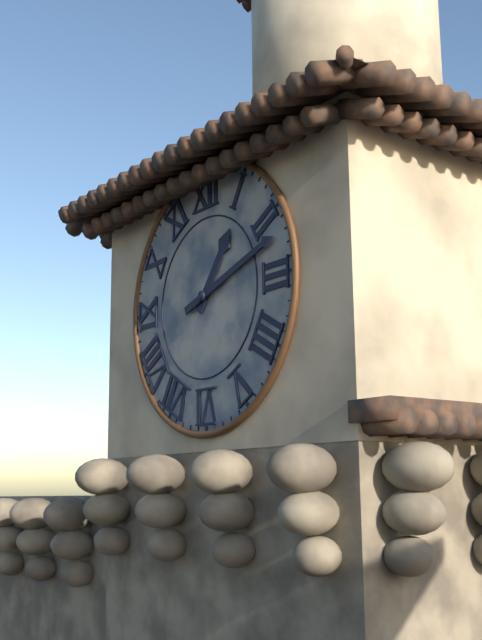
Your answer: 1 h 12 min
